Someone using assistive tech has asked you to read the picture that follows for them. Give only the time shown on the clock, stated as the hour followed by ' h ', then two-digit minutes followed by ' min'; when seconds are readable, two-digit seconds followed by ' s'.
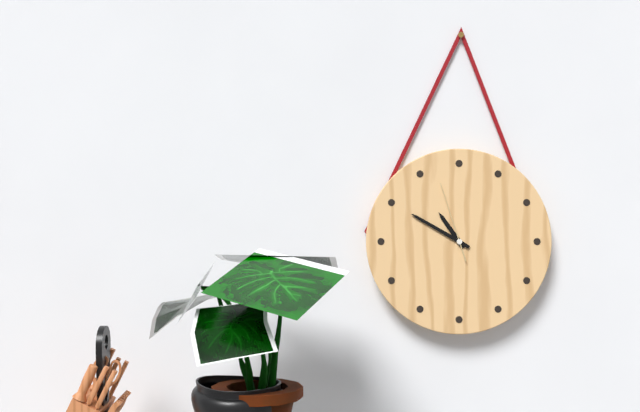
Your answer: 10 h 50 min 57 s
